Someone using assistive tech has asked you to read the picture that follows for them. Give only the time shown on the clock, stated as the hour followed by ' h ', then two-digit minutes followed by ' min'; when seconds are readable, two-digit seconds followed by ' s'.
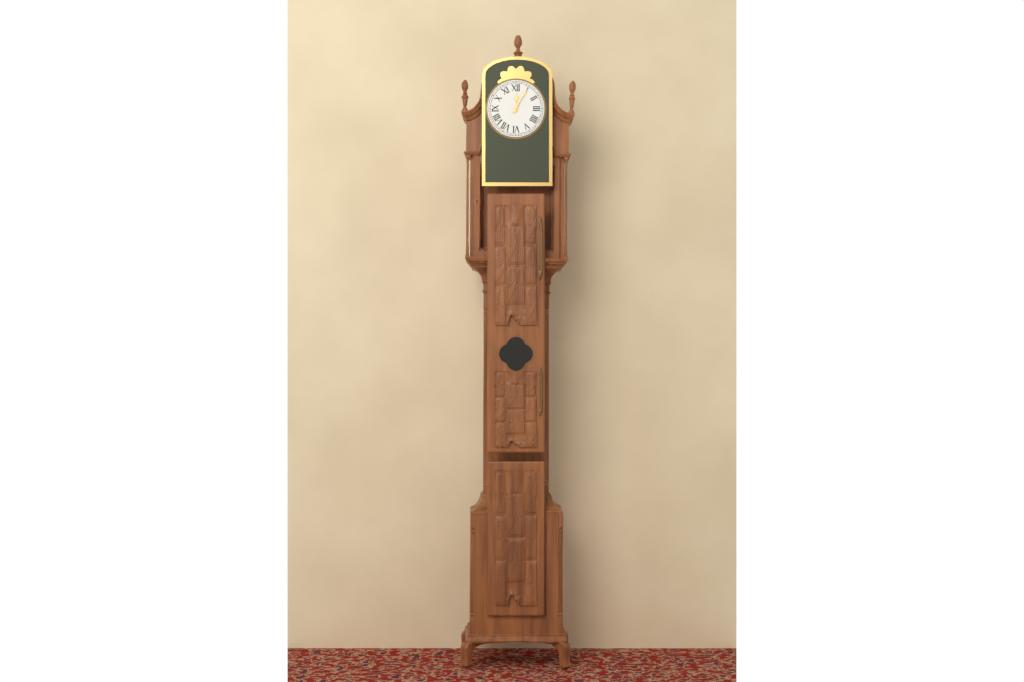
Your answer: 12 h 05 min
